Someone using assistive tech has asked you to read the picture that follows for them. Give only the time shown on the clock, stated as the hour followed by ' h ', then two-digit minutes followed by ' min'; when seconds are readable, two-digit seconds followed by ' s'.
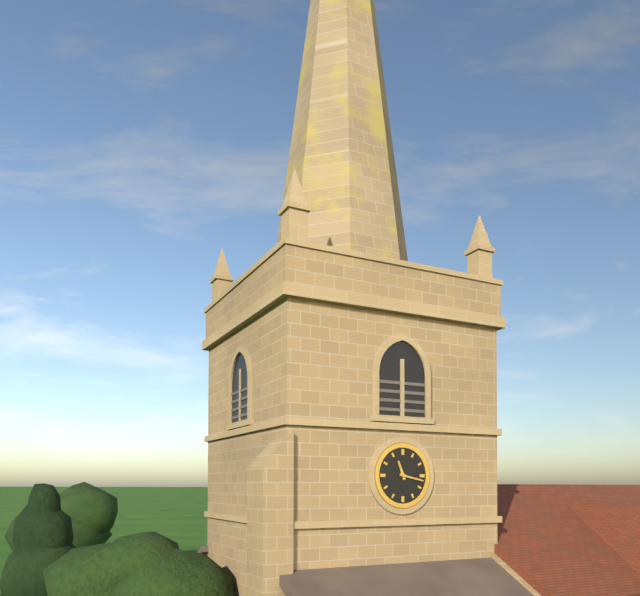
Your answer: 11 h 17 min
